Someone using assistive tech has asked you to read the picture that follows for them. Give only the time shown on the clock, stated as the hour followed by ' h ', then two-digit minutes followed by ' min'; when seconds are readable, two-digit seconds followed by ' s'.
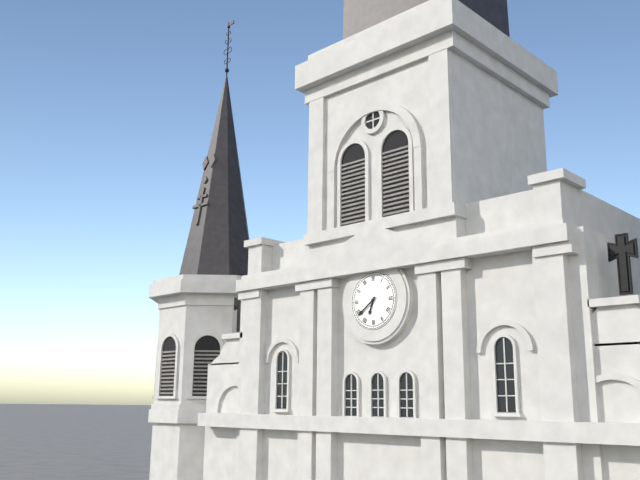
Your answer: 6 h 39 min
